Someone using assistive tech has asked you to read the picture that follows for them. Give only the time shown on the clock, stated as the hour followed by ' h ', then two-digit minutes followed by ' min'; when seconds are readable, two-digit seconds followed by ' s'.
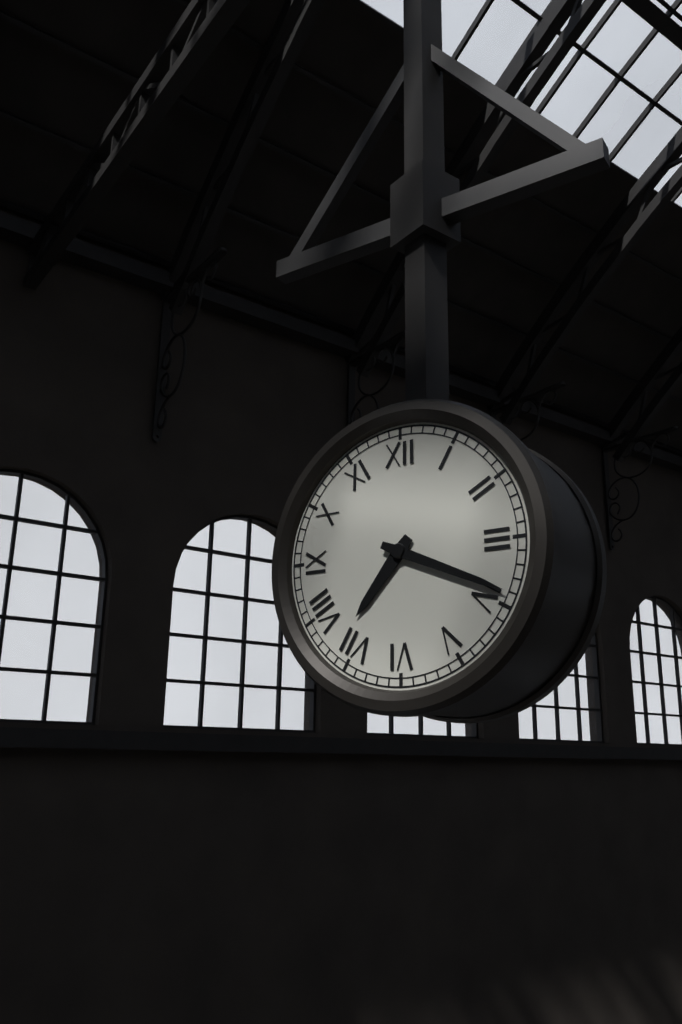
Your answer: 7 h 19 min
